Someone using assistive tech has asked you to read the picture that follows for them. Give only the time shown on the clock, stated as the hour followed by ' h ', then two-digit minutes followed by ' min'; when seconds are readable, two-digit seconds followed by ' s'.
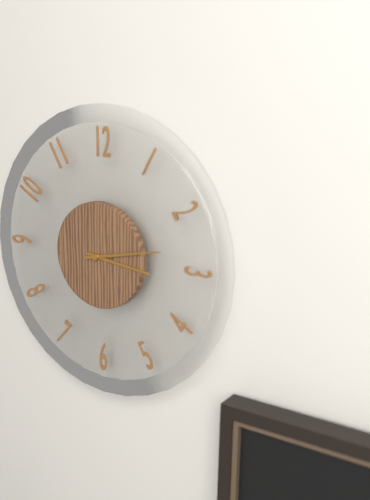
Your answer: 3 h 13 min
